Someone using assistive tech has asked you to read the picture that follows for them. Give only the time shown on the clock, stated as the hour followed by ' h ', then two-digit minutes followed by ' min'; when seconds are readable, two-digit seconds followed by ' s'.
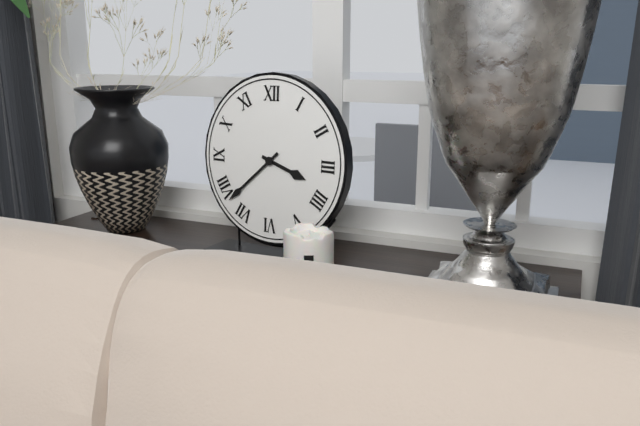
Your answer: 3 h 38 min
